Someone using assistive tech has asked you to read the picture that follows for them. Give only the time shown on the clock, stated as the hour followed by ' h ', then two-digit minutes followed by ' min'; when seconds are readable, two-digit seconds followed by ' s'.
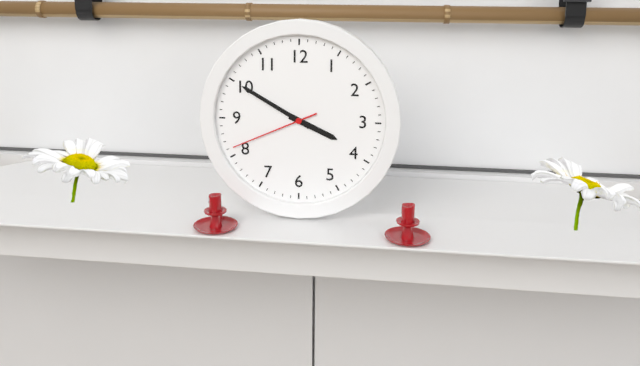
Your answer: 3 h 50 min 41 s
